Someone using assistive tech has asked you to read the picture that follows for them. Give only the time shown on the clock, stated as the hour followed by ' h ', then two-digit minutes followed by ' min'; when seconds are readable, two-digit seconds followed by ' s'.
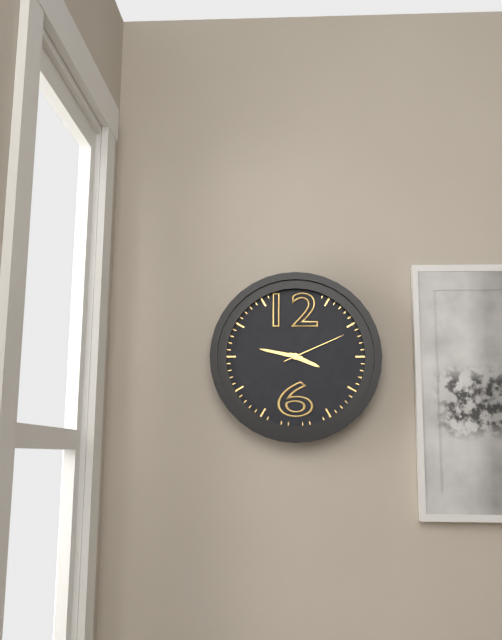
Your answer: 3 h 47 min 11 s
